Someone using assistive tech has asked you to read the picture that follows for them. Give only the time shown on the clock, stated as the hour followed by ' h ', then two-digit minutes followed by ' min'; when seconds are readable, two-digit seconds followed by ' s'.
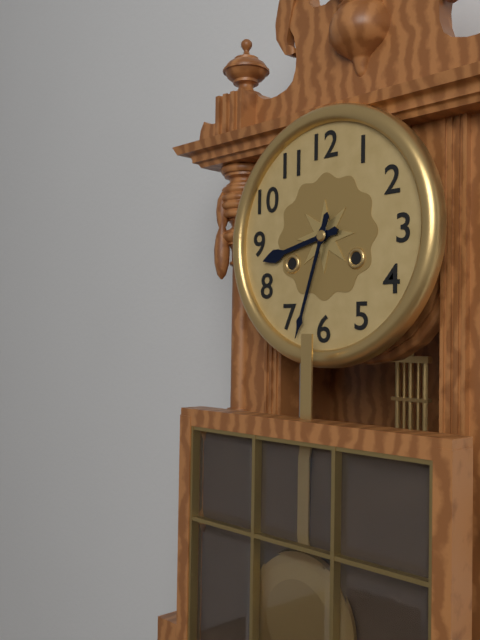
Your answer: 8 h 33 min
